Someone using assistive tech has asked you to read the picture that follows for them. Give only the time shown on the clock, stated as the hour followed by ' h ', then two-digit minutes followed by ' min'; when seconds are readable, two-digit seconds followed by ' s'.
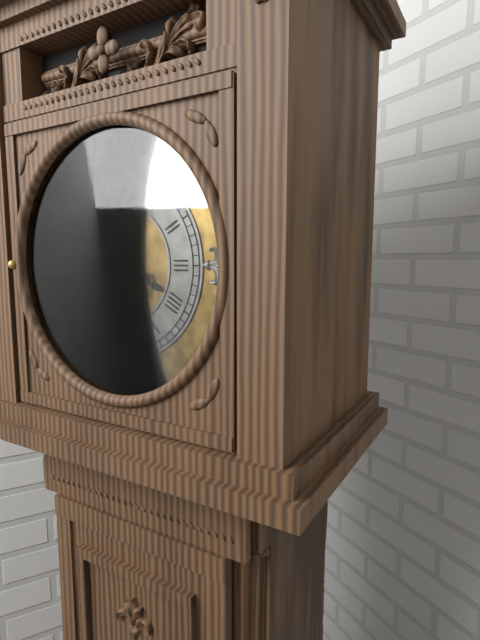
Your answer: 3 h 53 min
